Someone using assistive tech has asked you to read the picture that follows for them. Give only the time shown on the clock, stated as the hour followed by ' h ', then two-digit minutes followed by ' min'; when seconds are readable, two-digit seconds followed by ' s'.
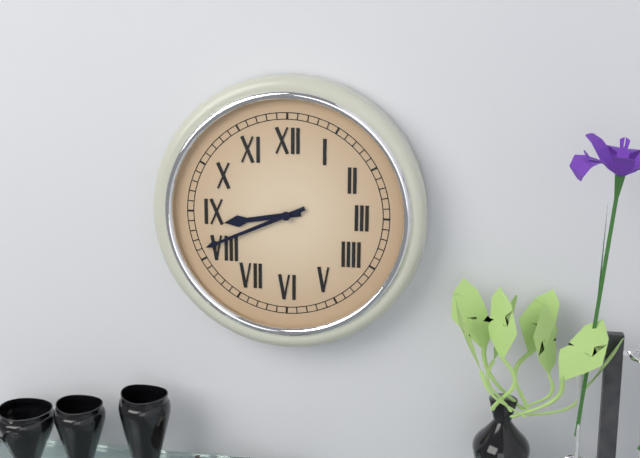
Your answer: 8 h 41 min
